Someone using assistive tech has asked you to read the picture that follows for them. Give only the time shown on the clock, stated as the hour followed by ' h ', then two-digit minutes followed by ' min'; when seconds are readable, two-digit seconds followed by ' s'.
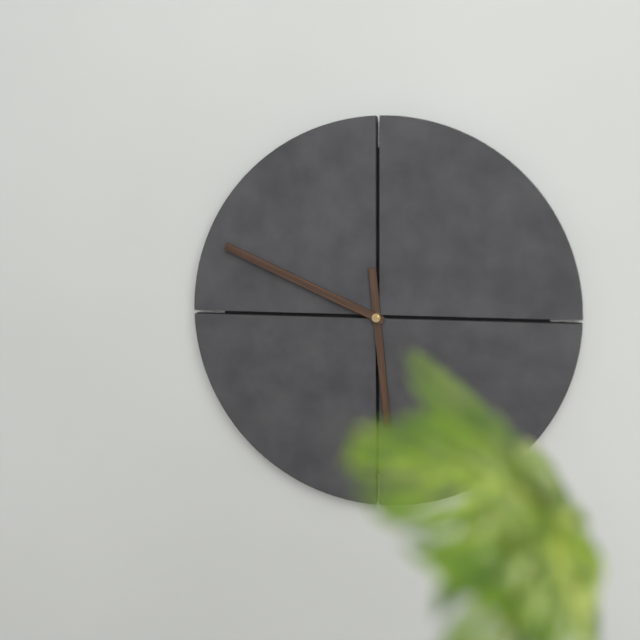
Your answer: 5 h 49 min
